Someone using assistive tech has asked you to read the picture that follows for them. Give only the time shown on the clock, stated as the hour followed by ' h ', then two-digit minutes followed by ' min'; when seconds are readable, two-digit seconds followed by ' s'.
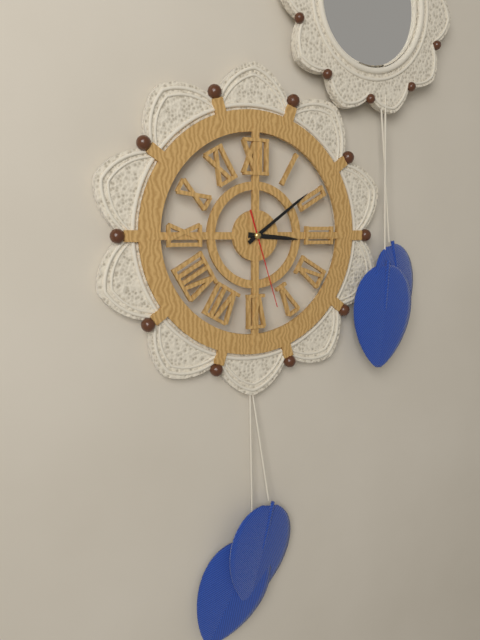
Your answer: 3 h 09 min 27 s
